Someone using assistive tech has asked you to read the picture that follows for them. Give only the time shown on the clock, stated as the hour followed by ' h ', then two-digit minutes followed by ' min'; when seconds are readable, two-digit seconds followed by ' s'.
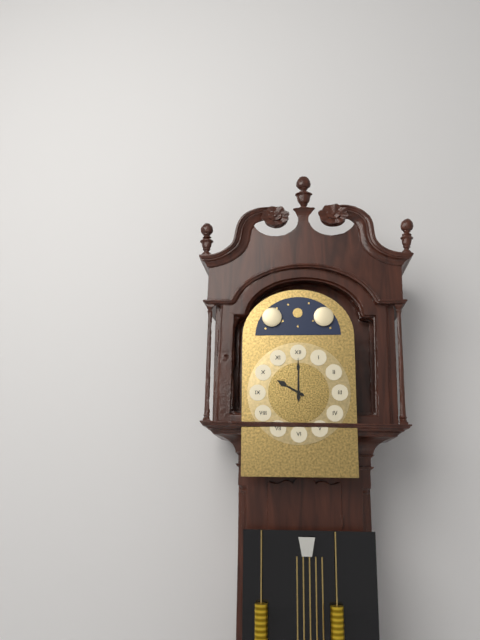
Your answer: 10 h 00 min
